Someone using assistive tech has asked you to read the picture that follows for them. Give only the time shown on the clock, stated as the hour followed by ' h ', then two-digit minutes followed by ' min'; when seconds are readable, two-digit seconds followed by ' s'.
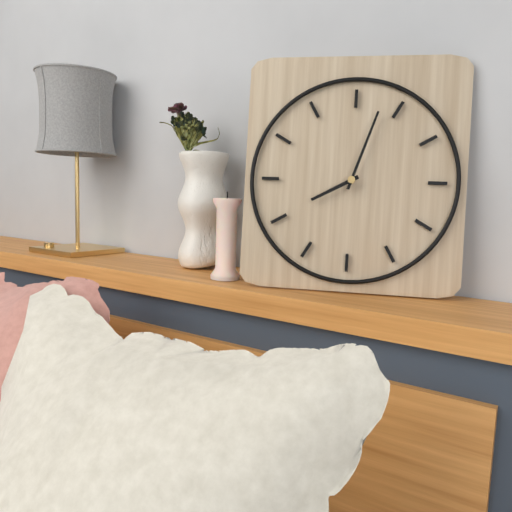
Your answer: 8 h 03 min
